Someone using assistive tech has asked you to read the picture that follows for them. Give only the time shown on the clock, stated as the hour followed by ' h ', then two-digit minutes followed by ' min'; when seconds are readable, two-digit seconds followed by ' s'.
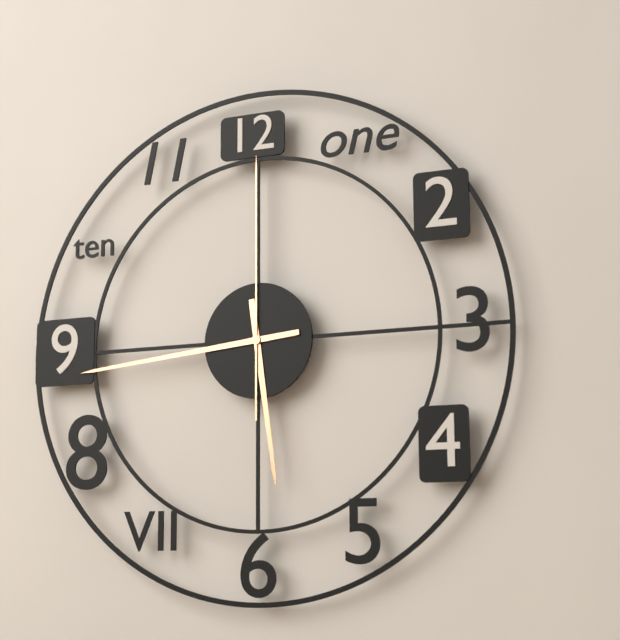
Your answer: 5 h 44 min 00 s
